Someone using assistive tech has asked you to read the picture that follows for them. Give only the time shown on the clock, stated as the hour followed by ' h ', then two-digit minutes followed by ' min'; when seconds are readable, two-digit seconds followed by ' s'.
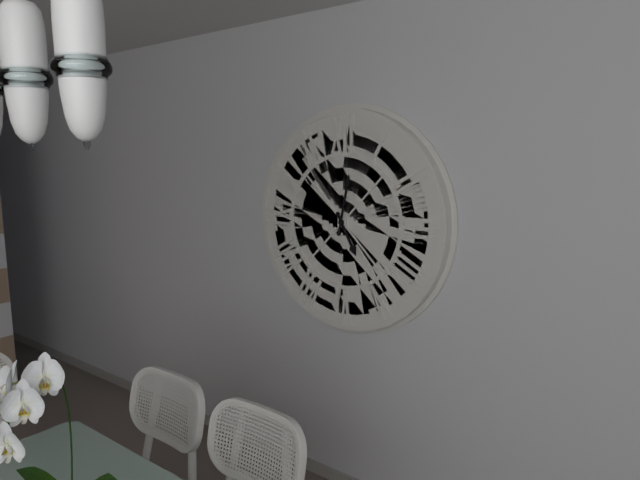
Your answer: 5 h 02 min
